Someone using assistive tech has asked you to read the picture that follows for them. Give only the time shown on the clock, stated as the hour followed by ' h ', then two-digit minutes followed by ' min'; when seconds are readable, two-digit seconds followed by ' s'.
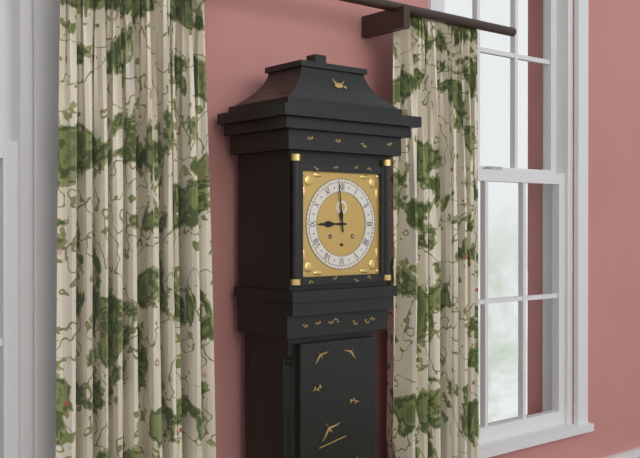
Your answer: 8 h 59 min
